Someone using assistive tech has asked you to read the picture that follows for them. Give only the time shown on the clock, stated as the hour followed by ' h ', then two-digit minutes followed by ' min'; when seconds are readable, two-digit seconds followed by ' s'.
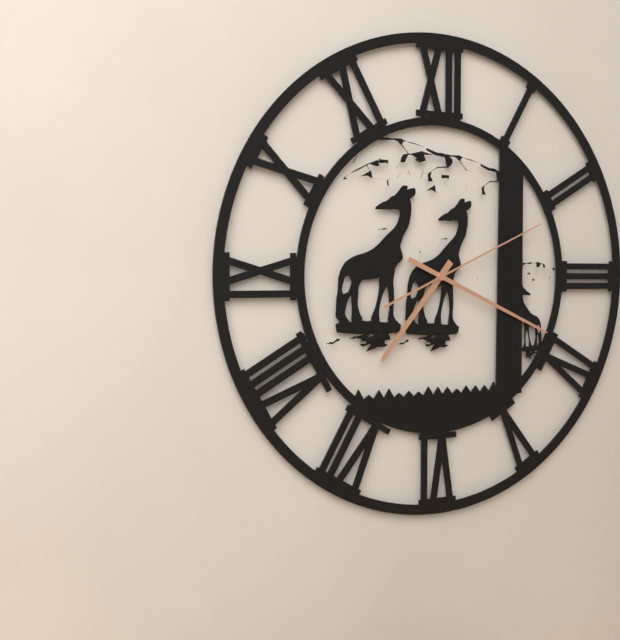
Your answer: 7 h 19 min 11 s
